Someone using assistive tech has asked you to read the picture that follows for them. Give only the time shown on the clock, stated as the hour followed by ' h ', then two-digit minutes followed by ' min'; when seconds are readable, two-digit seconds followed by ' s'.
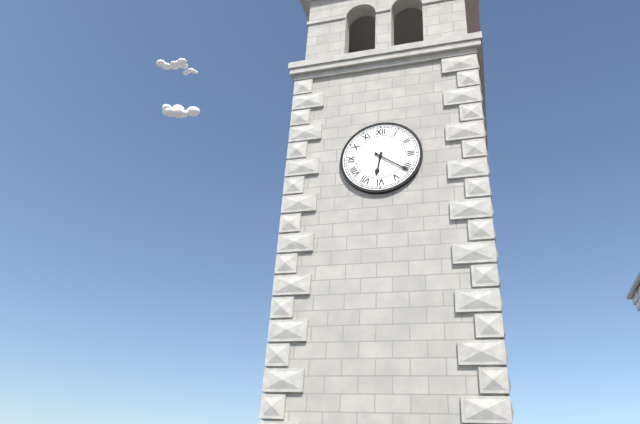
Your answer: 6 h 21 min
